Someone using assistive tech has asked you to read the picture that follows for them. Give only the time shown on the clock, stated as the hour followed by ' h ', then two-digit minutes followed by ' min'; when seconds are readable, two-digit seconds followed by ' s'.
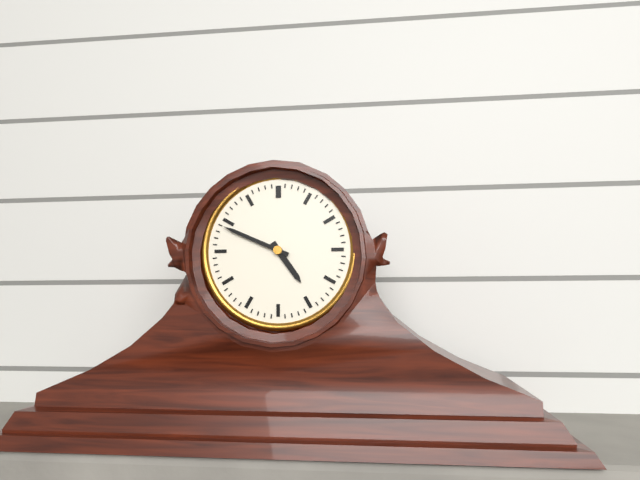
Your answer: 4 h 49 min
